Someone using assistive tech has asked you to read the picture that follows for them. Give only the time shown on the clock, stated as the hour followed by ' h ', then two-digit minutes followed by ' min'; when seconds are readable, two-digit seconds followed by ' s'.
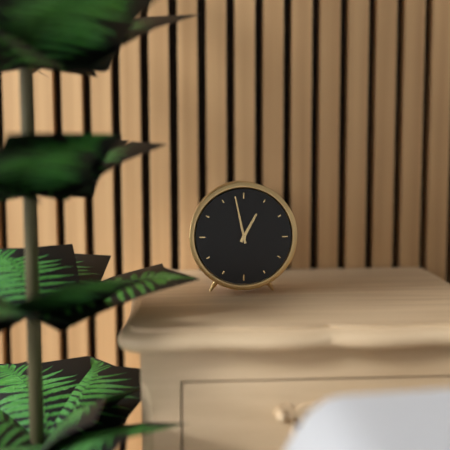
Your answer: 12 h 58 min
